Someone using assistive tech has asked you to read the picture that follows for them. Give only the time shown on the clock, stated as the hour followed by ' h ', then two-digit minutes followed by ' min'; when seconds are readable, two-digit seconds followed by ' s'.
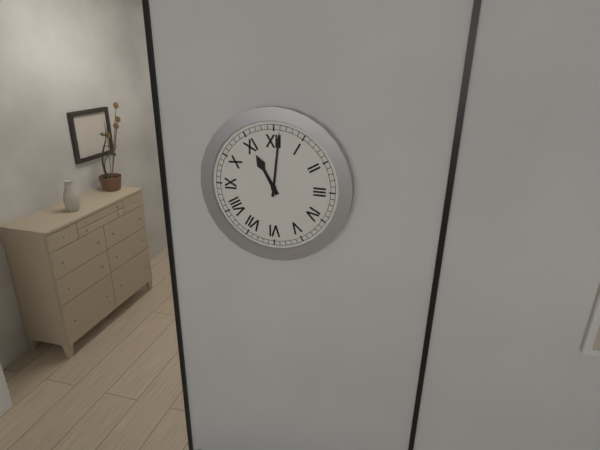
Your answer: 11 h 01 min
